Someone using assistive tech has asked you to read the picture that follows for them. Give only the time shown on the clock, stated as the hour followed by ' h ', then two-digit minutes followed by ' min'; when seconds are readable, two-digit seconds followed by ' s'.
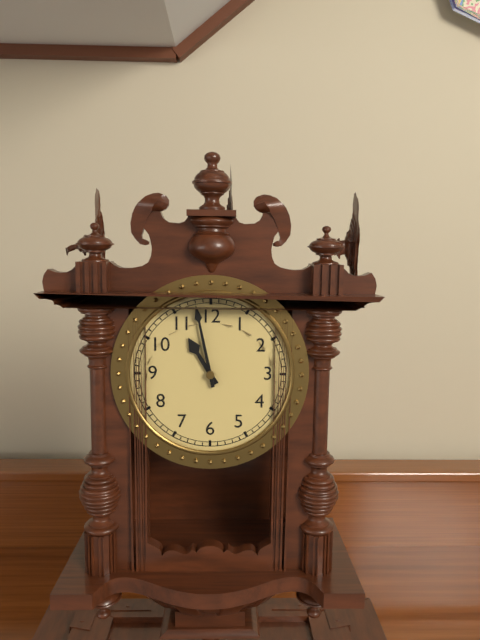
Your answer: 10 h 58 min
